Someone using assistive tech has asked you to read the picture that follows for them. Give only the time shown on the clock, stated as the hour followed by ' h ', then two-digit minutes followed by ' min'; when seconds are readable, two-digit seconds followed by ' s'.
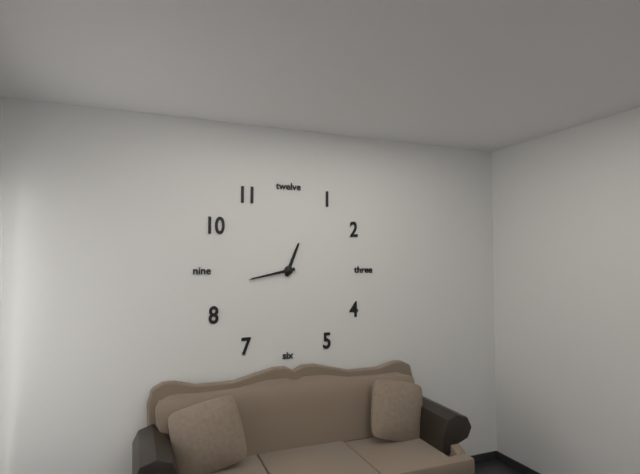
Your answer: 12 h 43 min
